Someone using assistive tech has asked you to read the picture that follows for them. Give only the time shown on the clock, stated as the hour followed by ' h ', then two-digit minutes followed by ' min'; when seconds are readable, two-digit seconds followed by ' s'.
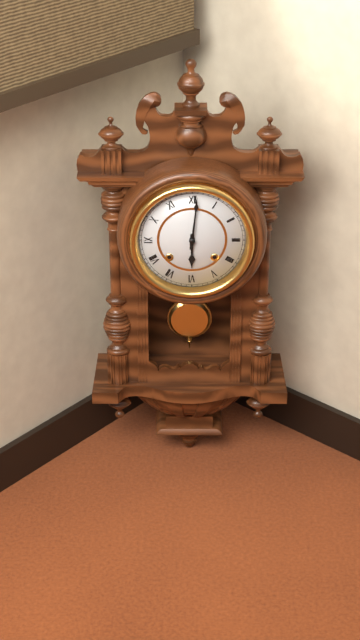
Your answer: 6 h 01 min
